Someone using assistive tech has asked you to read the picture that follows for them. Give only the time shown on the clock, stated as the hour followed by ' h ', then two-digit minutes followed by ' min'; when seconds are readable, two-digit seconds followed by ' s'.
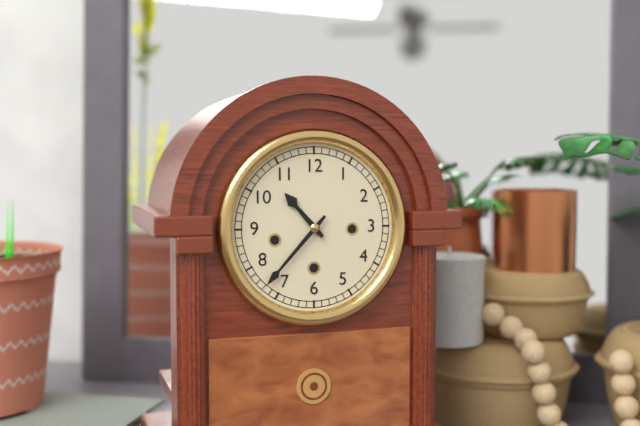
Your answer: 10 h 37 min
